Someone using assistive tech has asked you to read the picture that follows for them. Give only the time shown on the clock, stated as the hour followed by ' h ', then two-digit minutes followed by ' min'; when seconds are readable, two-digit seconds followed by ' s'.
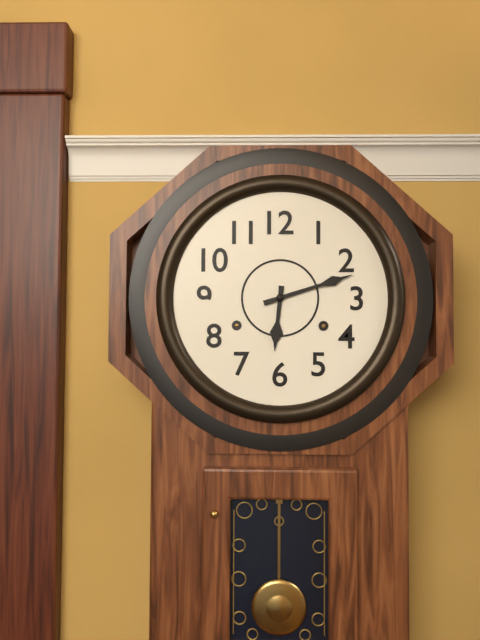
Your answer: 6 h 12 min
